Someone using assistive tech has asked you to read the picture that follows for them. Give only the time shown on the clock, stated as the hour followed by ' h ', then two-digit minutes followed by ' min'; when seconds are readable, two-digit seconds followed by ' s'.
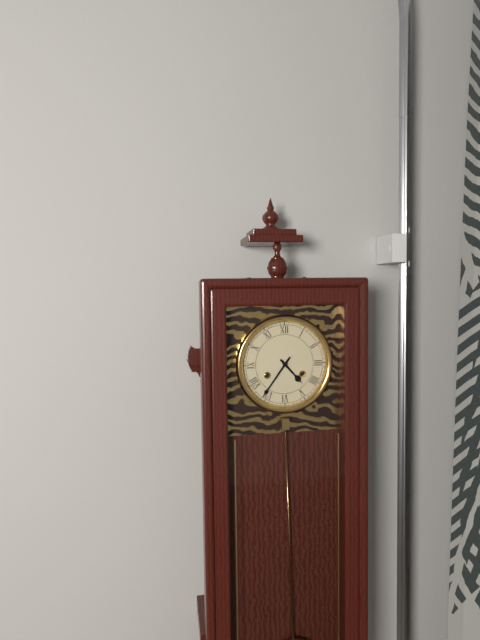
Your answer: 4 h 36 min
